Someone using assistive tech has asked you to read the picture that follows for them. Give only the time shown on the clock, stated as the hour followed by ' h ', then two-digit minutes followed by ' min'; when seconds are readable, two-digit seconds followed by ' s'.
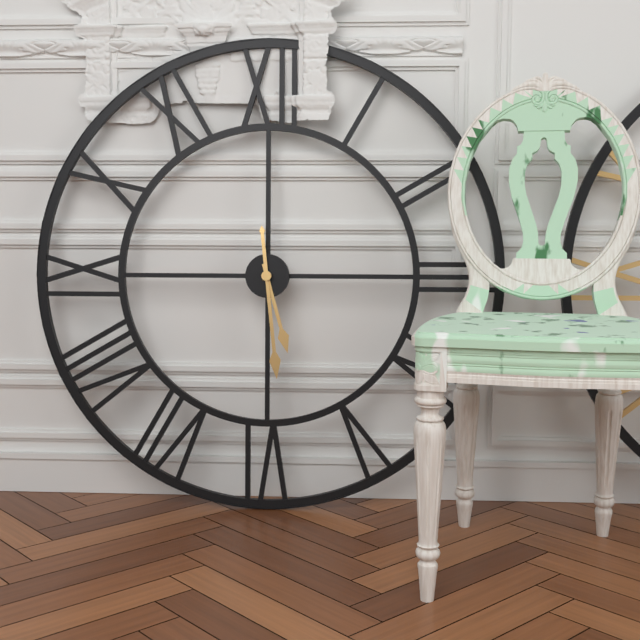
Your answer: 5 h 29 min
